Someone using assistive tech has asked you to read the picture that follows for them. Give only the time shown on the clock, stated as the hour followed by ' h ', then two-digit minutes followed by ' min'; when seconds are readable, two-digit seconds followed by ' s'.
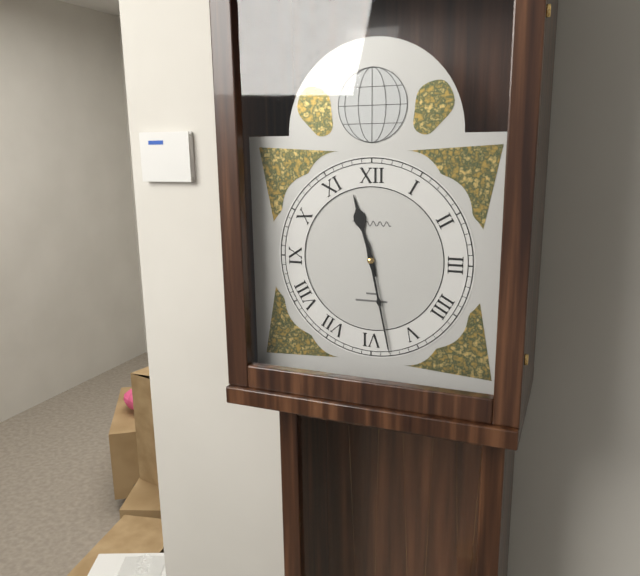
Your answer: 11 h 28 min
